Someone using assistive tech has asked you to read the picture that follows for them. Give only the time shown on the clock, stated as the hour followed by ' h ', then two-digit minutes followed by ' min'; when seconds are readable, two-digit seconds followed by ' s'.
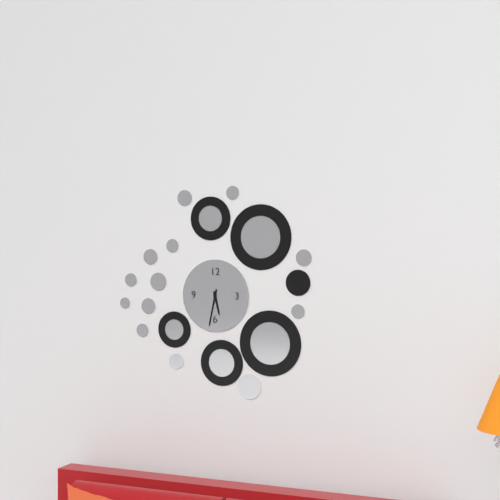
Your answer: 5 h 32 min
